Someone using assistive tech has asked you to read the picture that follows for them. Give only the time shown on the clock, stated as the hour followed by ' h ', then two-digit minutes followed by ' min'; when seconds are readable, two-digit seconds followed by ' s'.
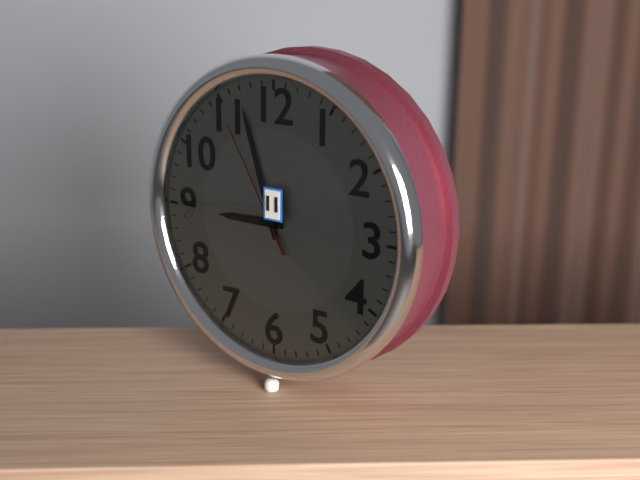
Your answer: 8 h 57 min 55 s
